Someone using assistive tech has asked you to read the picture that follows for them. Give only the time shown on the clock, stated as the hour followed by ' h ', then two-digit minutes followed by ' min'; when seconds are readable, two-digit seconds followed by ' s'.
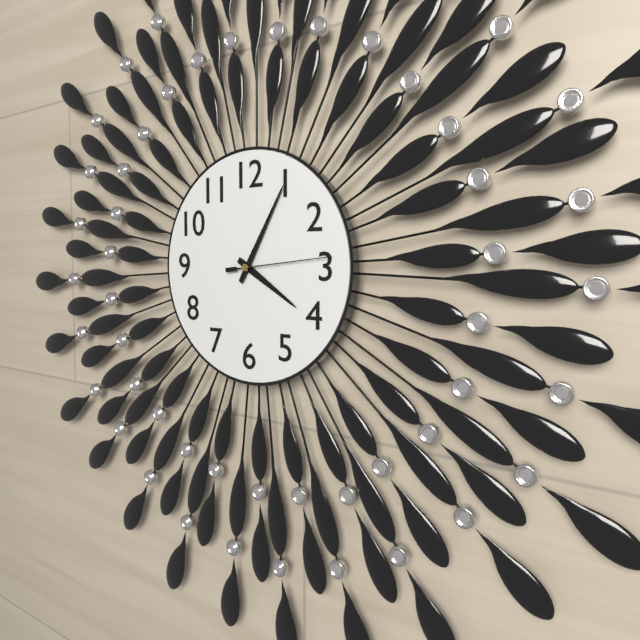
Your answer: 4 h 05 min 14 s
